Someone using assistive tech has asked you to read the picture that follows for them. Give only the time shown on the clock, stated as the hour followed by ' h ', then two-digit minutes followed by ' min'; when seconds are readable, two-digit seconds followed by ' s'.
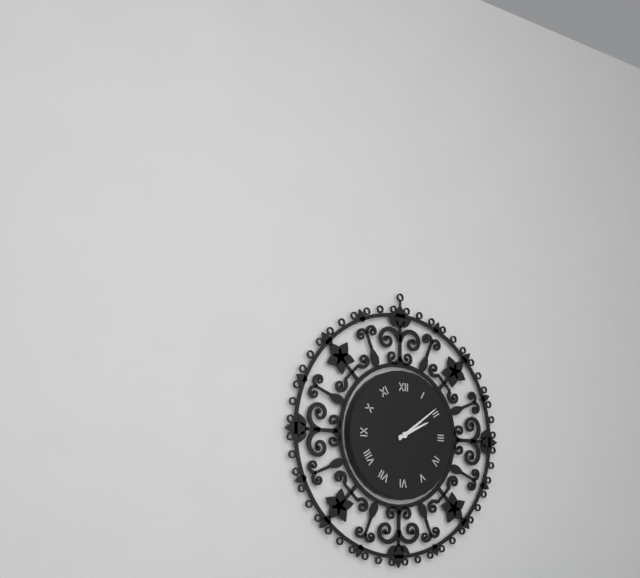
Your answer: 2 h 09 min
